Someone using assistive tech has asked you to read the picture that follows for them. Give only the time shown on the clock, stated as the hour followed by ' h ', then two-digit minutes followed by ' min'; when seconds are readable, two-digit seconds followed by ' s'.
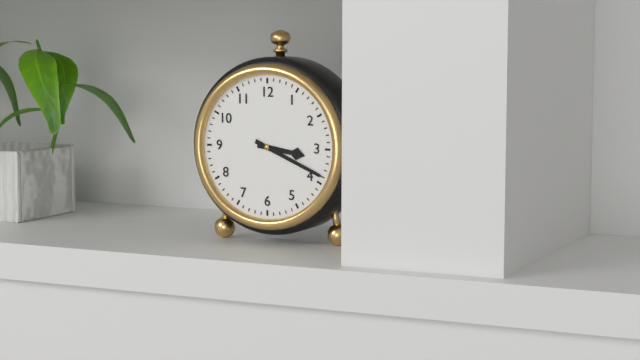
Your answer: 3 h 19 min
